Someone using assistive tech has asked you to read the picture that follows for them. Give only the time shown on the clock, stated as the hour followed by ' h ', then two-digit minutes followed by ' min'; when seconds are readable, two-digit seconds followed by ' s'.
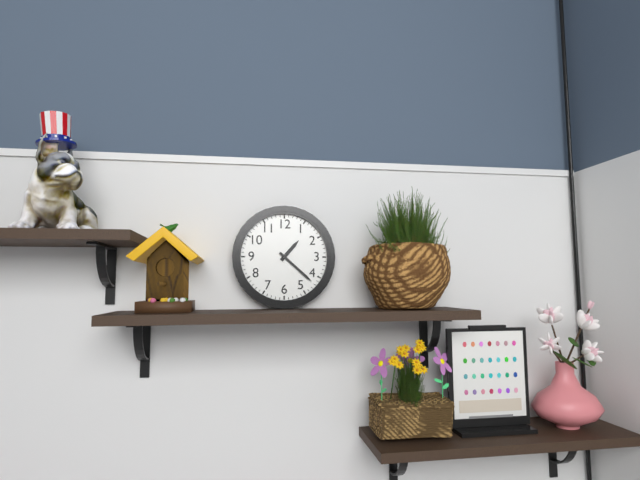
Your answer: 1 h 22 min
